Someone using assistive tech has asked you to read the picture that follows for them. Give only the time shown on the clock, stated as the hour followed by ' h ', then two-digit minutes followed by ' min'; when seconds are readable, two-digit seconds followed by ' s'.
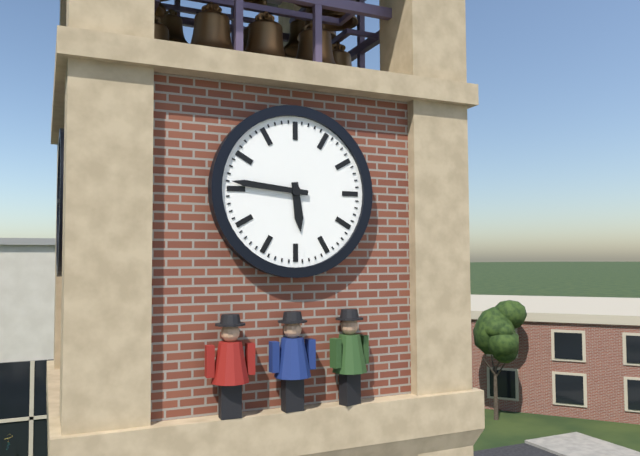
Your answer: 5 h 46 min
